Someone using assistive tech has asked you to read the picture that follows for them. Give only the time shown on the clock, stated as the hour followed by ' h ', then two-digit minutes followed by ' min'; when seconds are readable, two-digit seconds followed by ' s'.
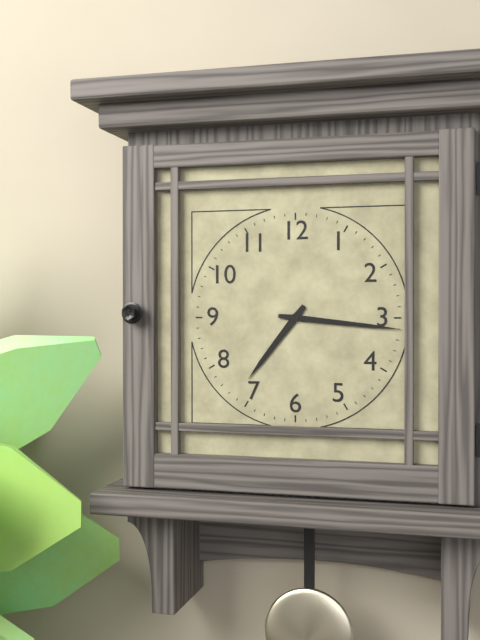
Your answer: 7 h 16 min
